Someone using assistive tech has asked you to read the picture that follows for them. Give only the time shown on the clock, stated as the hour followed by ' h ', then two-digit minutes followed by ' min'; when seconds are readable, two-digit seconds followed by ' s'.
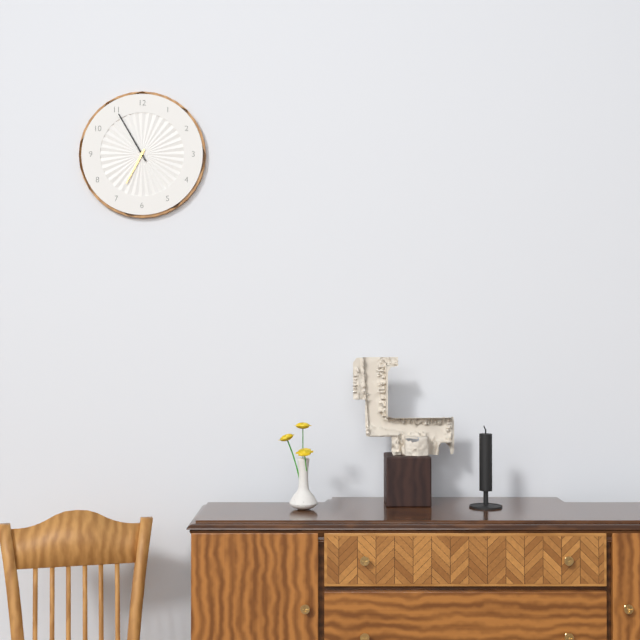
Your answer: 6 h 55 min
